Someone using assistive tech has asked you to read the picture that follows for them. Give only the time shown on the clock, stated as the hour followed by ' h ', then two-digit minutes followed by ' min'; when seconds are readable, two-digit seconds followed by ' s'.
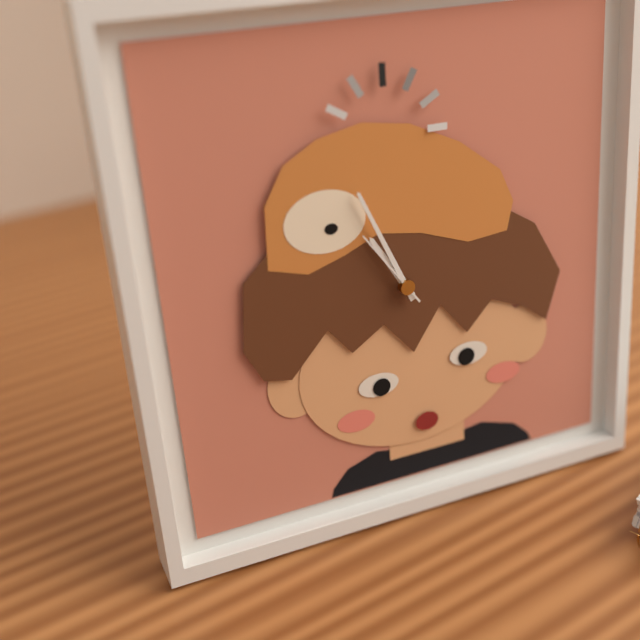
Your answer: 10 h 56 min 54 s
